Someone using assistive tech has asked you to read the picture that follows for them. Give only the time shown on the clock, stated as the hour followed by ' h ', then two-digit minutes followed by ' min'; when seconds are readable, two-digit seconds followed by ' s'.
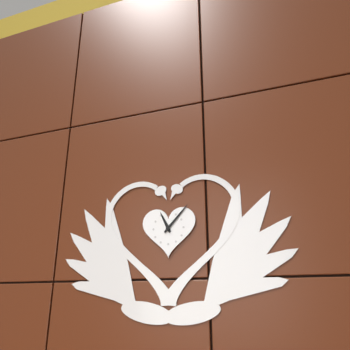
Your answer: 11 h 07 min
